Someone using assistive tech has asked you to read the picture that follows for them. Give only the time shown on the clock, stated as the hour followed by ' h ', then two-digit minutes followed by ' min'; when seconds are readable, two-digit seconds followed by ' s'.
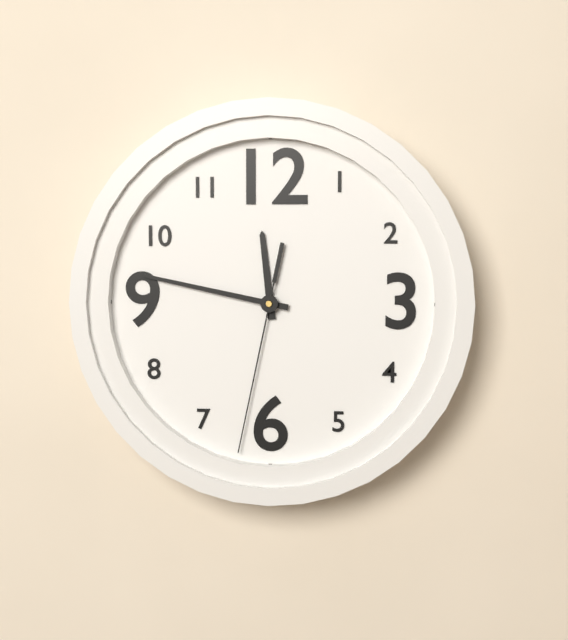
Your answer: 11 h 47 min 32 s
